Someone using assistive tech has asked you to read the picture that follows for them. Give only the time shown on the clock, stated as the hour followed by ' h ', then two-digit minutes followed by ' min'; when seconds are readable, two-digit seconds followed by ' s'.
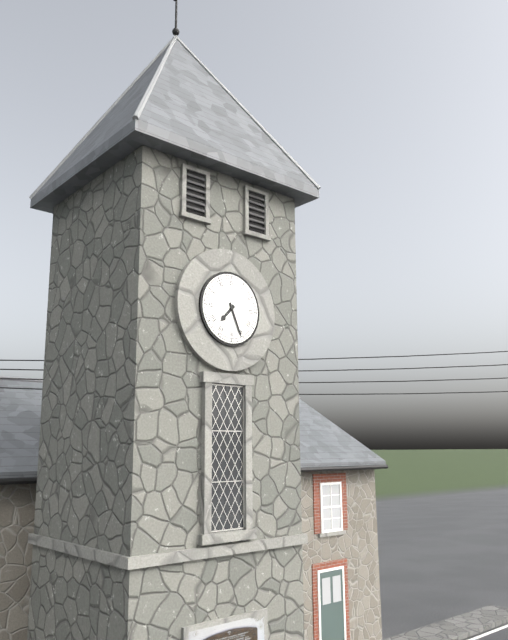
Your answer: 7 h 26 min
